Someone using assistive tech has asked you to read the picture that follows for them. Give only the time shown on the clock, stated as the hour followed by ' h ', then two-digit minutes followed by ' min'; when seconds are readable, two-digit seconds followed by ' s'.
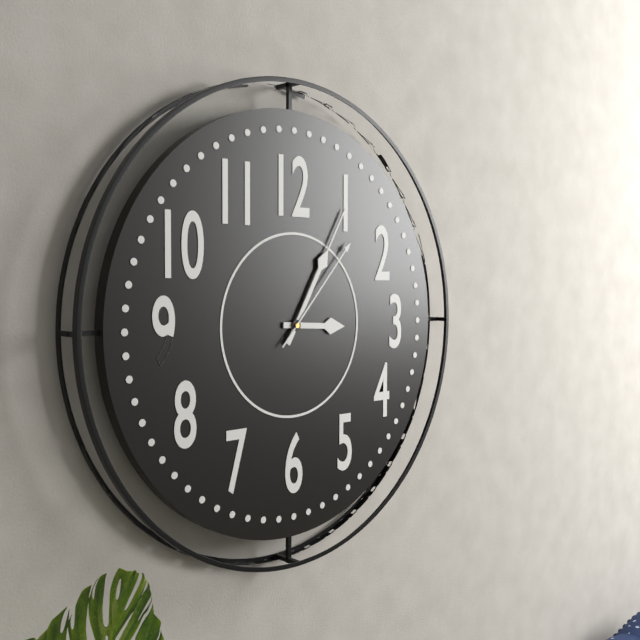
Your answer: 3 h 05 min 07 s
